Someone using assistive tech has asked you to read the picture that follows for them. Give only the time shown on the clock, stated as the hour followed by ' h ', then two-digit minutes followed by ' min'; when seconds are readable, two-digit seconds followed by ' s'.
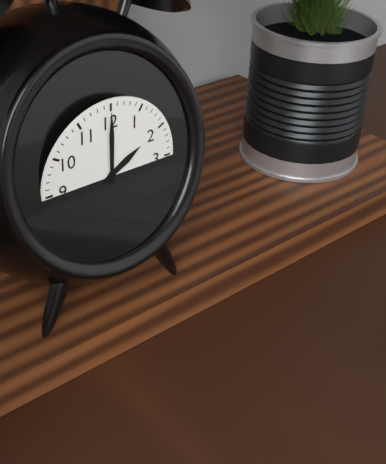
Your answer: 2 h 00 min
